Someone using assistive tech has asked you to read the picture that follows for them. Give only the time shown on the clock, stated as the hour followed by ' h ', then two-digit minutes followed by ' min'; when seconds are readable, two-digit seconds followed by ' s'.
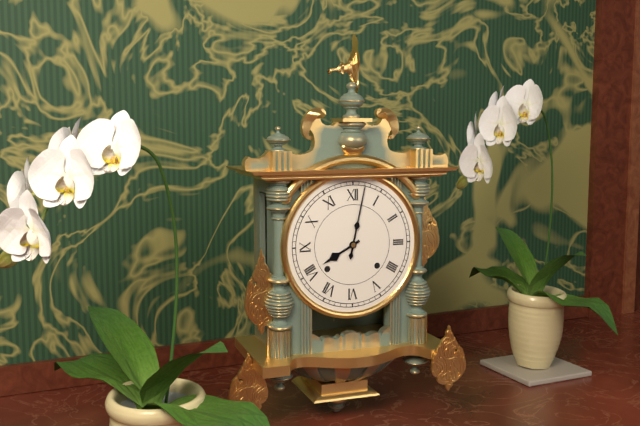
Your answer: 8 h 02 min
